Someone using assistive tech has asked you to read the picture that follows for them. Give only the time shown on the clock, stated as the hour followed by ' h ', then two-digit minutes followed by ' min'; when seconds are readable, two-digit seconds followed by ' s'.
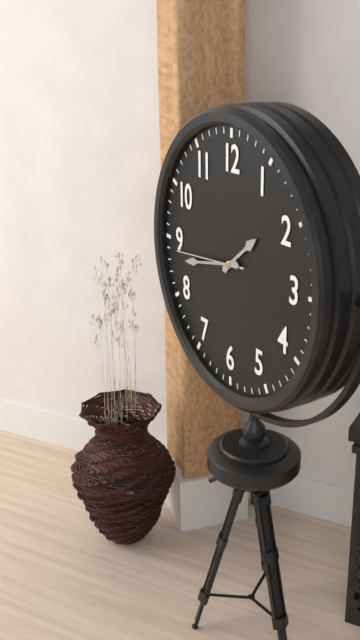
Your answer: 1 h 43 min 44 s
